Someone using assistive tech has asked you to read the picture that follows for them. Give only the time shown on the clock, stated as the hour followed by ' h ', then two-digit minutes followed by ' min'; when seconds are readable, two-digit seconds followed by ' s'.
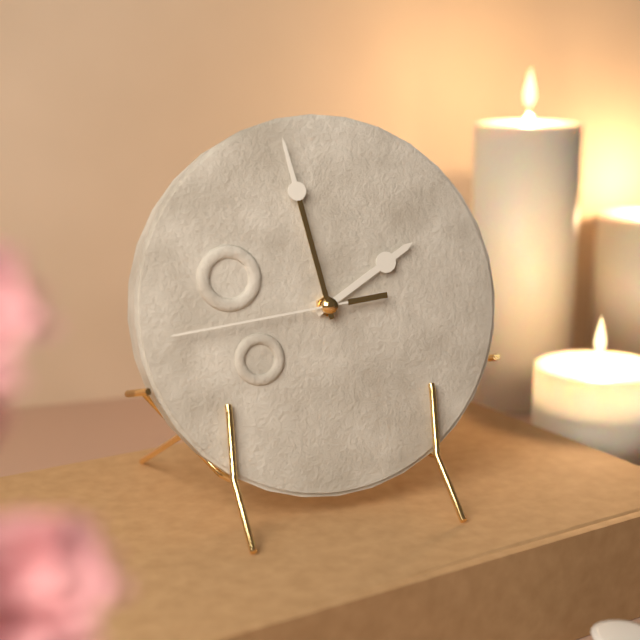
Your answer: 1 h 58 min 44 s
